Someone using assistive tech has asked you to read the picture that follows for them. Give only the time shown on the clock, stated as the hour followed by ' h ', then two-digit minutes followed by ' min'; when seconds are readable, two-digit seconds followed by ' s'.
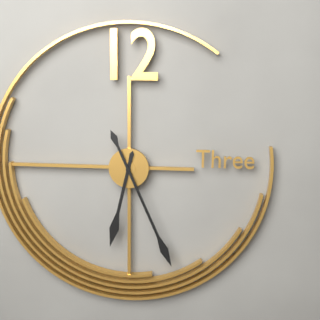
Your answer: 6 h 26 min
